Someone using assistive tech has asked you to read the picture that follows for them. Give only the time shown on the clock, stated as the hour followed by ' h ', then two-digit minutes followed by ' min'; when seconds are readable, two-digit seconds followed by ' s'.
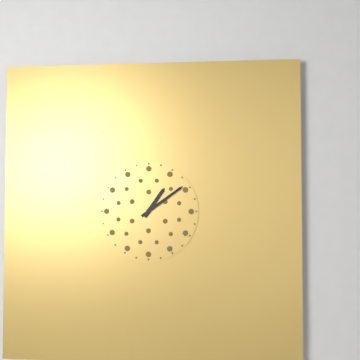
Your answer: 1 h 09 min
